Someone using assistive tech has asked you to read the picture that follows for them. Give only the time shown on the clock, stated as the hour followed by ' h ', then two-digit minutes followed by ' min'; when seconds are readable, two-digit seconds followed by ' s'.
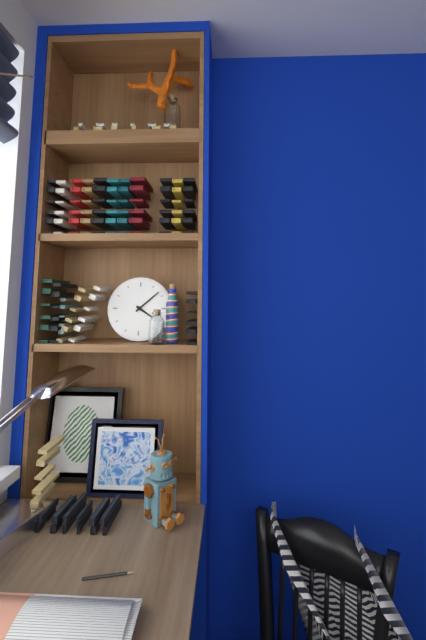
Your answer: 4 h 08 min
